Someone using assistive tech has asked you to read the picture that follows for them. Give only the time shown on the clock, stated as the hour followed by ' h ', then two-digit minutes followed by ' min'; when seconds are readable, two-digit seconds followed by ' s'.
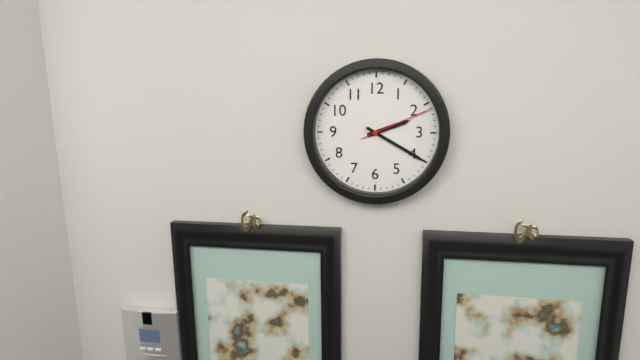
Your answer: 2 h 20 min 11 s
